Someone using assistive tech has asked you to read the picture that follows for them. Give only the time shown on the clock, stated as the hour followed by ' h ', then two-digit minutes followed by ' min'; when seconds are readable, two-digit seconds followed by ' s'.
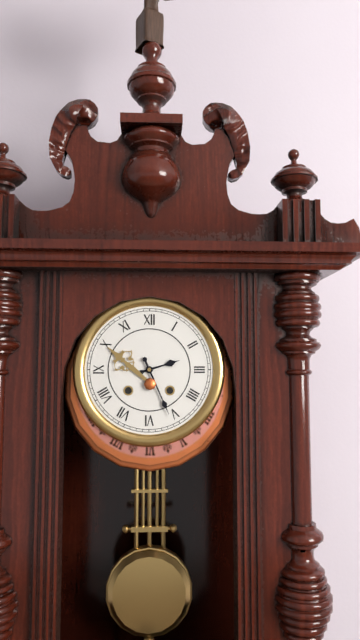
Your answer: 2 h 26 min
